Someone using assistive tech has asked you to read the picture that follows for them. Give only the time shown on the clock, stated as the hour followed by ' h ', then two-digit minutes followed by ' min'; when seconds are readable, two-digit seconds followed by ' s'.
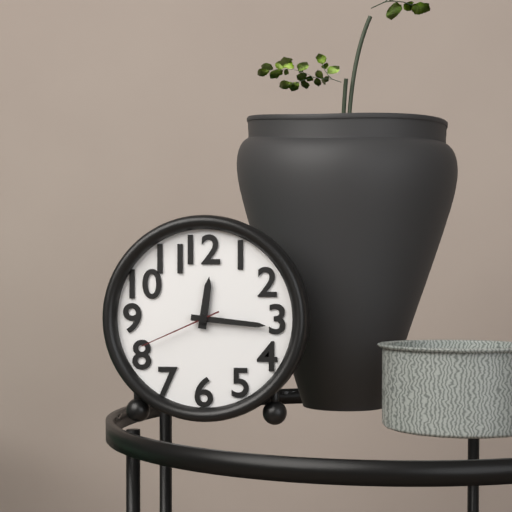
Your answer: 12 h 16 min 41 s
